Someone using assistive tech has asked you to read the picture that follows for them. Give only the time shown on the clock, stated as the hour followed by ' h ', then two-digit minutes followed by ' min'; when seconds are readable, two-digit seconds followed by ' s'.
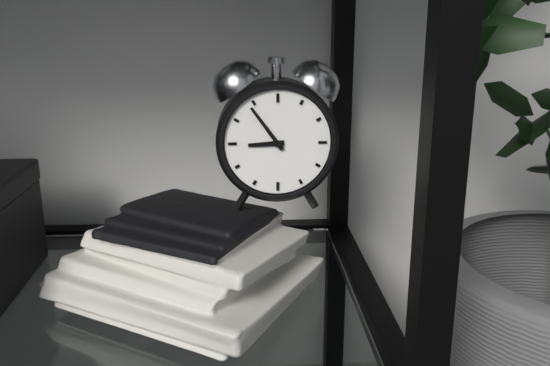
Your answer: 8 h 54 min
